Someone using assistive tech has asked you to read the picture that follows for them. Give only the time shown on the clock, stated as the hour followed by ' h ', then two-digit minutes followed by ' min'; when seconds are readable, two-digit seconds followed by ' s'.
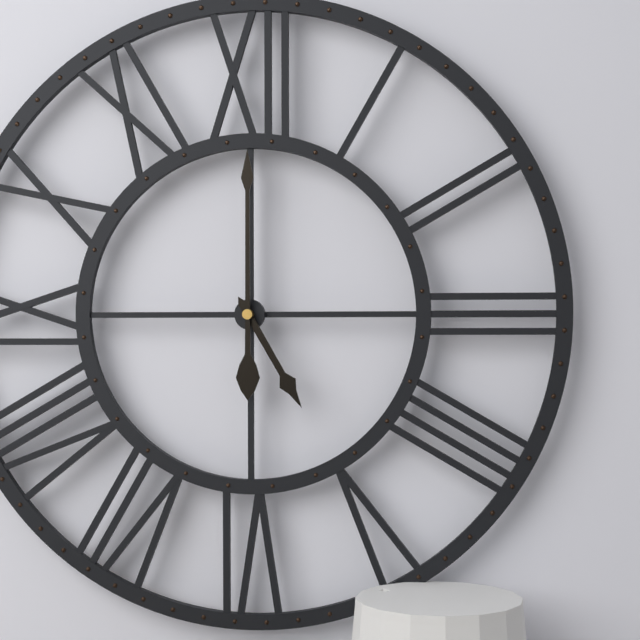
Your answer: 5 h 00 min
